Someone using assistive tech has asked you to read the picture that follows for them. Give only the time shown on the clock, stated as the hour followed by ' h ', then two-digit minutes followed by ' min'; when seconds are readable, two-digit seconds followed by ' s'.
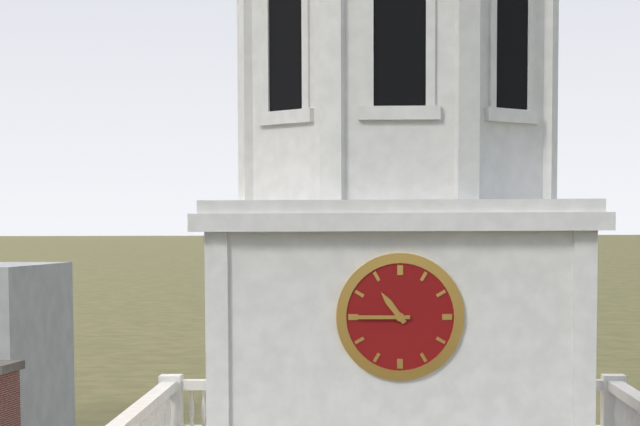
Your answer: 10 h 45 min
